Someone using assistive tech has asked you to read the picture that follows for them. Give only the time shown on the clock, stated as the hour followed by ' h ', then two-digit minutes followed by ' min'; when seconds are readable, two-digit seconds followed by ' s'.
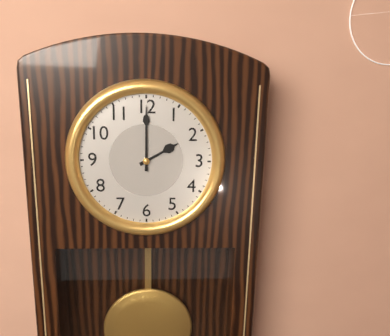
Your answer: 2 h 00 min
